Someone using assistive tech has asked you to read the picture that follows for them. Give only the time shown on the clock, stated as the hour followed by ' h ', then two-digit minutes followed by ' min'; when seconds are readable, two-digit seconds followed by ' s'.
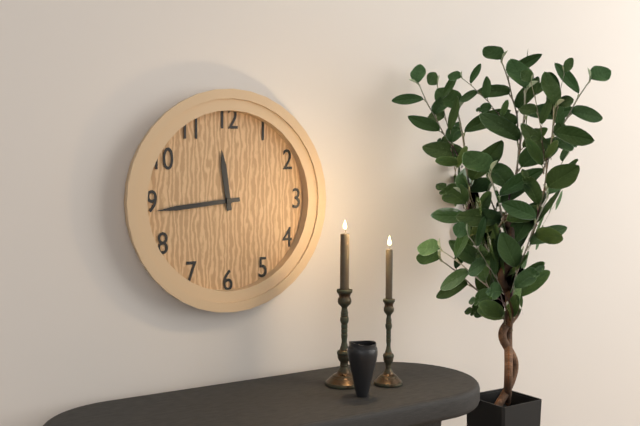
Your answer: 11 h 44 min
